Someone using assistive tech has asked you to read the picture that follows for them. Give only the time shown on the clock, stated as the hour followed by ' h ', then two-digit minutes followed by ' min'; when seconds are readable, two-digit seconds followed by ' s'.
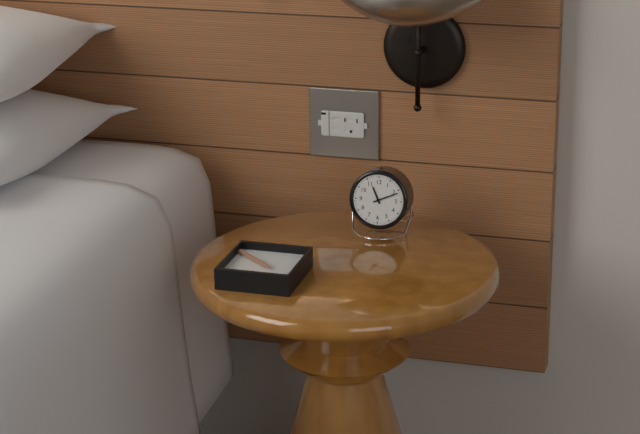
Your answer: 11 h 11 min
